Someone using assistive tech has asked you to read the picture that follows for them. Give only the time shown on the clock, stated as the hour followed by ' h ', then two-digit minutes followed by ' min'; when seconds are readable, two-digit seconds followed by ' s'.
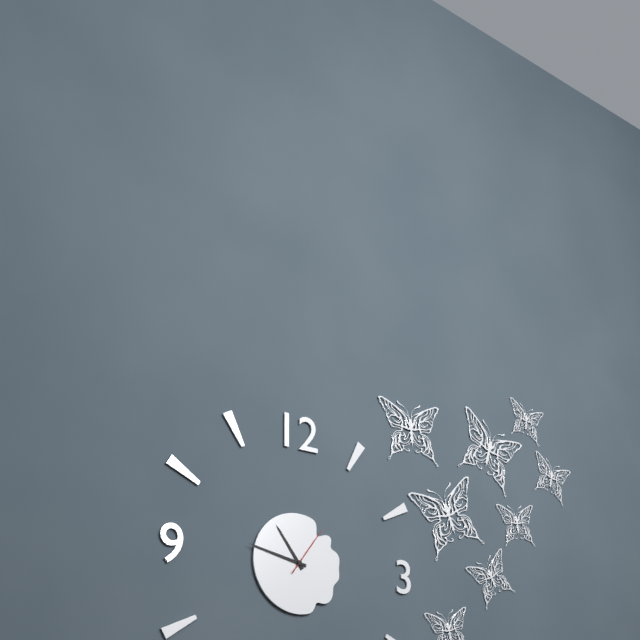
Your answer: 10 h 47 min 06 s
